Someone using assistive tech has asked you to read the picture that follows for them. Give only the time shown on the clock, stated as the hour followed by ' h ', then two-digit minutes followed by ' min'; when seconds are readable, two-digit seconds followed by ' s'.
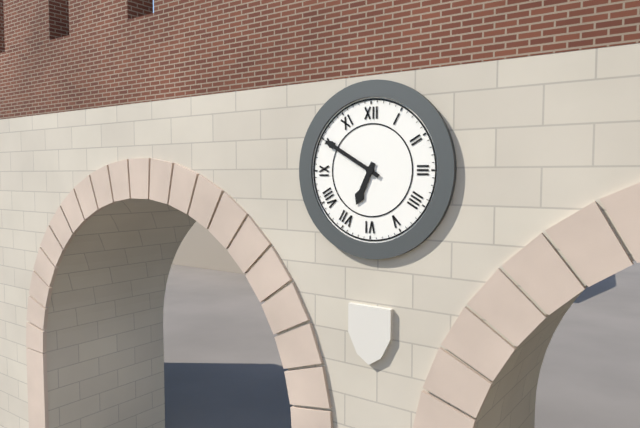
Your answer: 6 h 50 min
